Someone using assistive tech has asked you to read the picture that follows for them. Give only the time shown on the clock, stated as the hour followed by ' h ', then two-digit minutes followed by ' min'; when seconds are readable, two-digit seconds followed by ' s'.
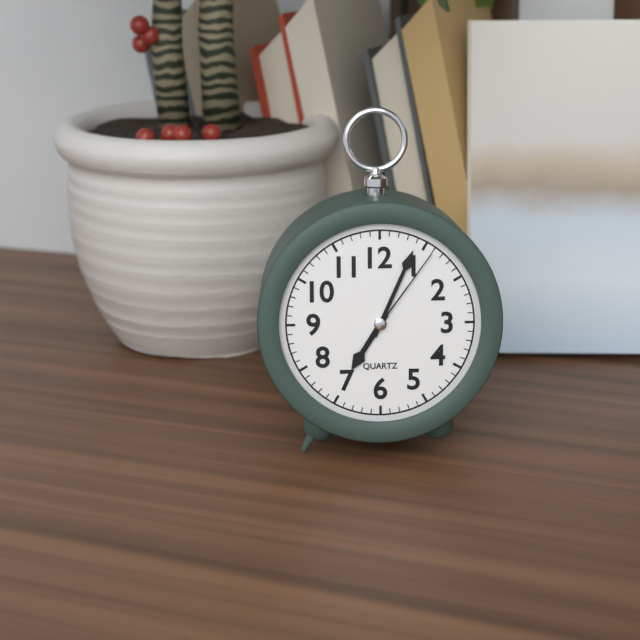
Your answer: 7 h 04 min 06 s
